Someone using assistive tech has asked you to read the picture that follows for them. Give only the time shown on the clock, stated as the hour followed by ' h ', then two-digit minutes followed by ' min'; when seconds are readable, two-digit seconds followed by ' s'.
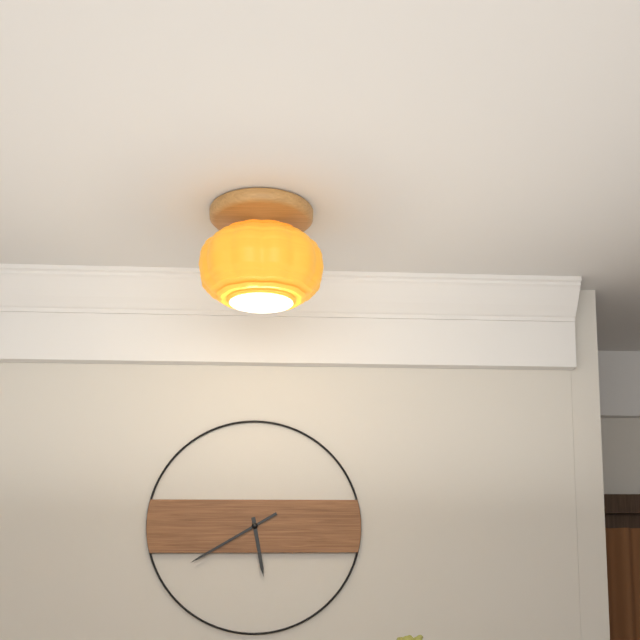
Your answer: 5 h 40 min
